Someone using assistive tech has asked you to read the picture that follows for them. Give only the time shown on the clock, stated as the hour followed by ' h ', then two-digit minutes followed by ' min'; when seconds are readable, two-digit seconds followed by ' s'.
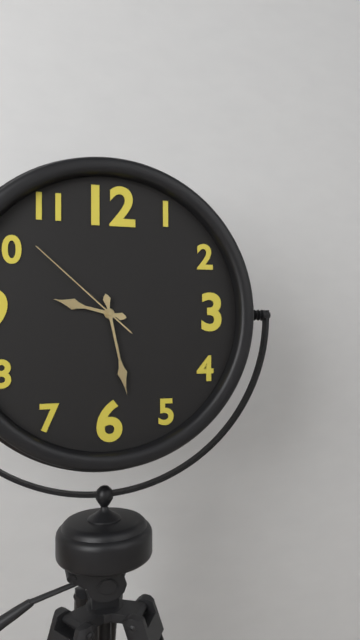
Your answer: 9 h 28 min 52 s
